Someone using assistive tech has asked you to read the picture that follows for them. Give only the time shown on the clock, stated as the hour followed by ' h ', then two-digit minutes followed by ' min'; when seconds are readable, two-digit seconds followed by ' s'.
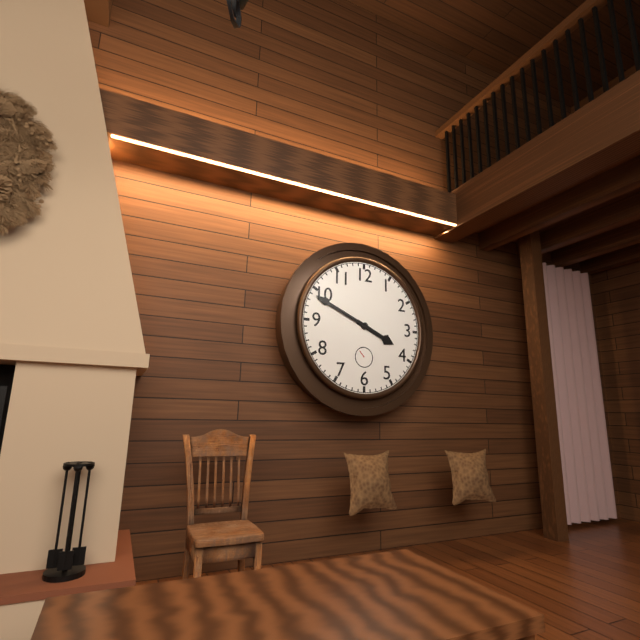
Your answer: 3 h 49 min
